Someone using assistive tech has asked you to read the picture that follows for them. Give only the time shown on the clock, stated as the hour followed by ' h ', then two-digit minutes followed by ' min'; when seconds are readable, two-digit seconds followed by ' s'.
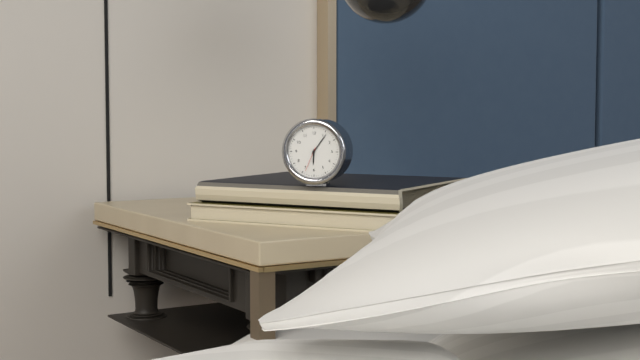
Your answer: 6 h 06 min
